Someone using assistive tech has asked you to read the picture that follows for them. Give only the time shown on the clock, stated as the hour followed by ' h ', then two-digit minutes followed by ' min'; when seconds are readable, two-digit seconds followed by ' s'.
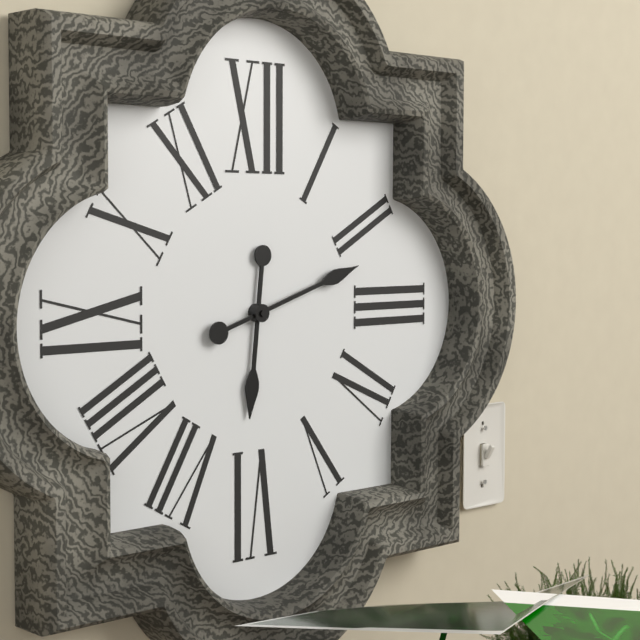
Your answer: 6 h 12 min
